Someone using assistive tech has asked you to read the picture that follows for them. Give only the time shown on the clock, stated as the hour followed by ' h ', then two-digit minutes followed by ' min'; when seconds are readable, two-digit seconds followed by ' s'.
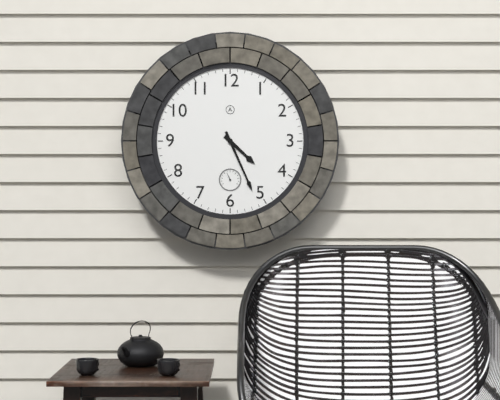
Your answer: 4 h 26 min
